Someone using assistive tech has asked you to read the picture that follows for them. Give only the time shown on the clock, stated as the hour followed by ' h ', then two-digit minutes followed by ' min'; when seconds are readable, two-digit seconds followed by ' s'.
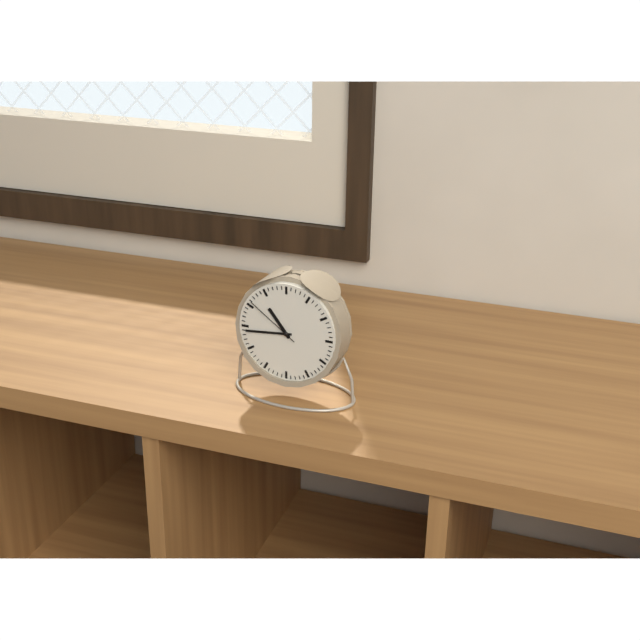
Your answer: 10 h 44 min 51 s
